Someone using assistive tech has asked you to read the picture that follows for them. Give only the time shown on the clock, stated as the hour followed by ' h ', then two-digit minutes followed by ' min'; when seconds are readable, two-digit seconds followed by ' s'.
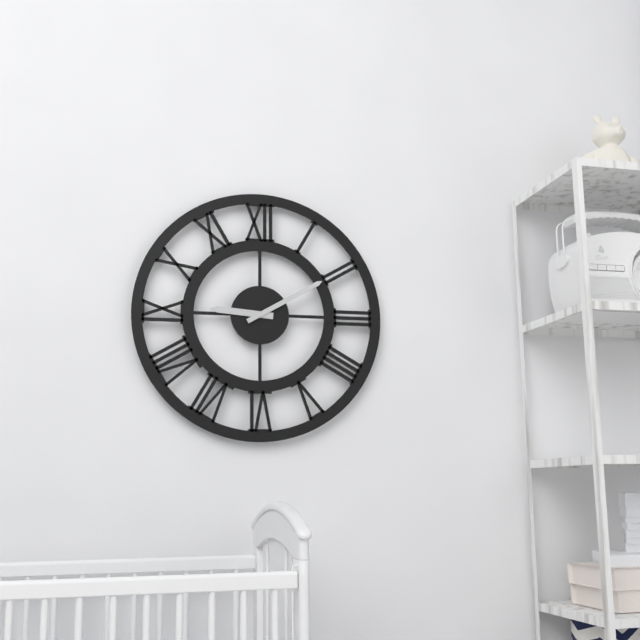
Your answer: 9 h 10 min
